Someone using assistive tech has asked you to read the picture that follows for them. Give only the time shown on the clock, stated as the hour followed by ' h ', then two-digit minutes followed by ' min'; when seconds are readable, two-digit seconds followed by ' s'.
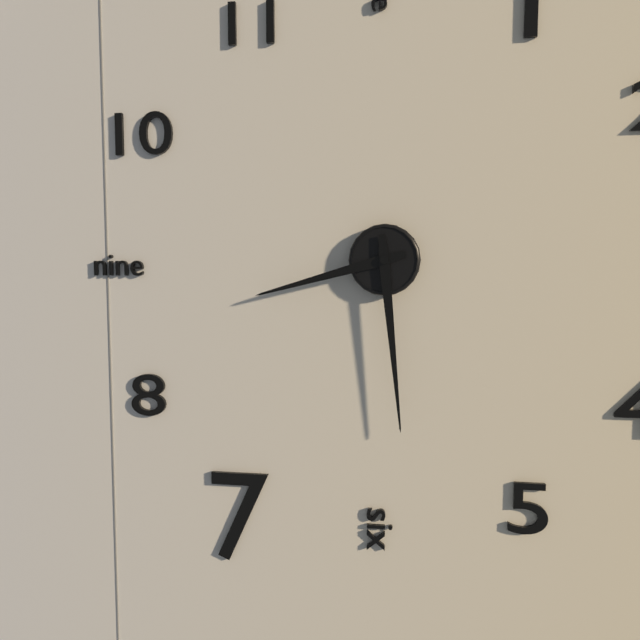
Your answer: 8 h 29 min
